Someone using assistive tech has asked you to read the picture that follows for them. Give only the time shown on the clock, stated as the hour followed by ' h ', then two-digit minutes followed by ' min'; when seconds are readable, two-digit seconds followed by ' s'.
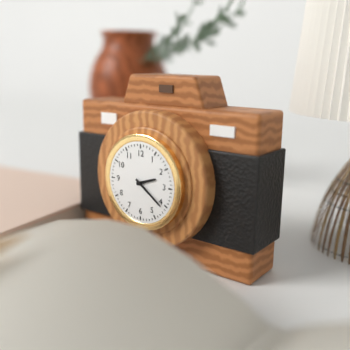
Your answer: 2 h 21 min
